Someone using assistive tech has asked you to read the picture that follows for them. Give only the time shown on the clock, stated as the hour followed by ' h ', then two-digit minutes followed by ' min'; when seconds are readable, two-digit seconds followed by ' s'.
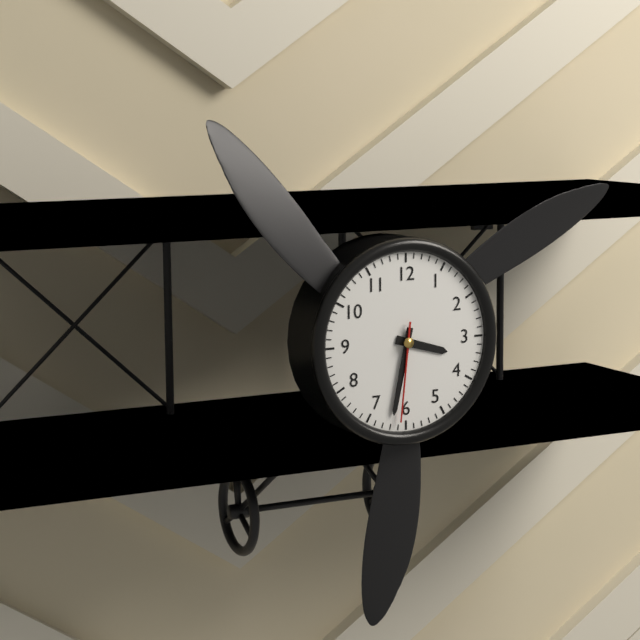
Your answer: 3 h 32 min 31 s
